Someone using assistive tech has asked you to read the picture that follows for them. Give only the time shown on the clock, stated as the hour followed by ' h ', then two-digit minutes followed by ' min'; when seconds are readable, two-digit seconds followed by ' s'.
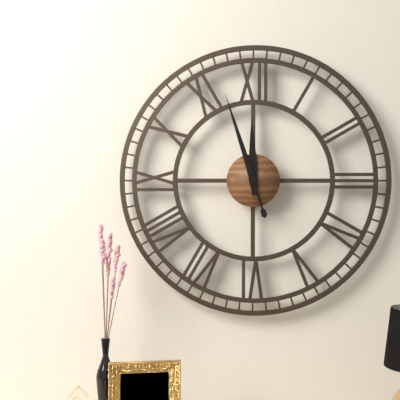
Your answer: 11 h 57 min
